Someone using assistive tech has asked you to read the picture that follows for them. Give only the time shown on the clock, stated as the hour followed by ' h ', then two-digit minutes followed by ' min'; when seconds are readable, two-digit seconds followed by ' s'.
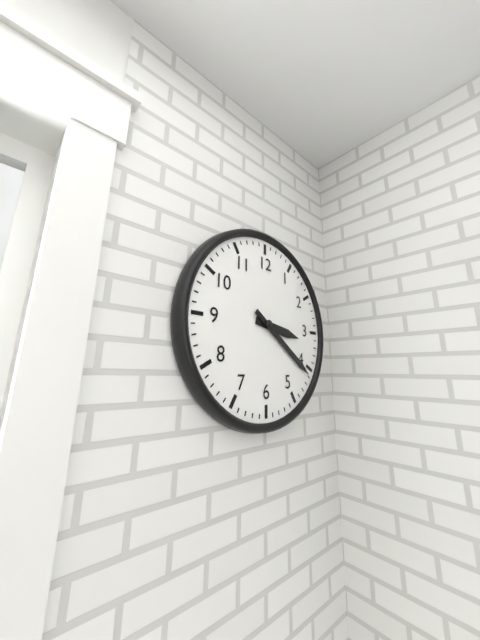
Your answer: 3 h 21 min
